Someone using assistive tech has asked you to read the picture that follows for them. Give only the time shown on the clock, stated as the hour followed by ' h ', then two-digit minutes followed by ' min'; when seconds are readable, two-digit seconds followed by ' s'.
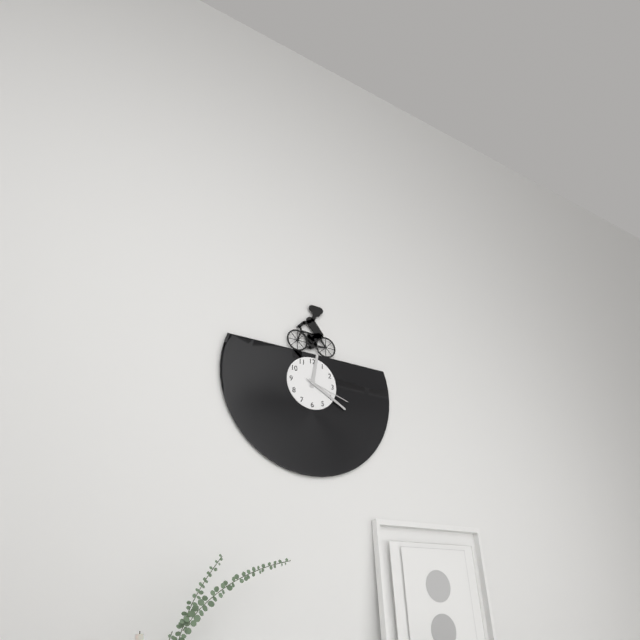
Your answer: 12 h 20 min 18 s
